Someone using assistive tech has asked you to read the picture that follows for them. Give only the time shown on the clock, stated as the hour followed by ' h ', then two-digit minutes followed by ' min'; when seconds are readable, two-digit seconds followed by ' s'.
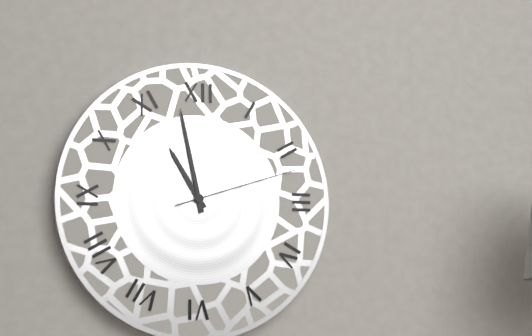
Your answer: 10 h 58 min 12 s
